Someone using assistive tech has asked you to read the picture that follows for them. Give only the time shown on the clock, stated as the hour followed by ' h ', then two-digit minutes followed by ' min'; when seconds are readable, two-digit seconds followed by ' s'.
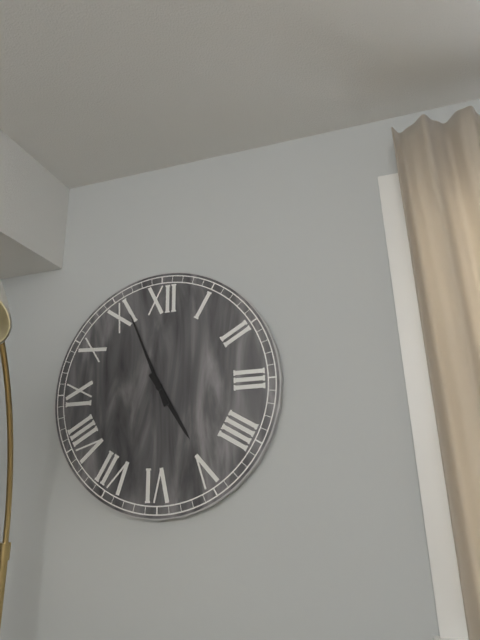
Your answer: 4 h 56 min
